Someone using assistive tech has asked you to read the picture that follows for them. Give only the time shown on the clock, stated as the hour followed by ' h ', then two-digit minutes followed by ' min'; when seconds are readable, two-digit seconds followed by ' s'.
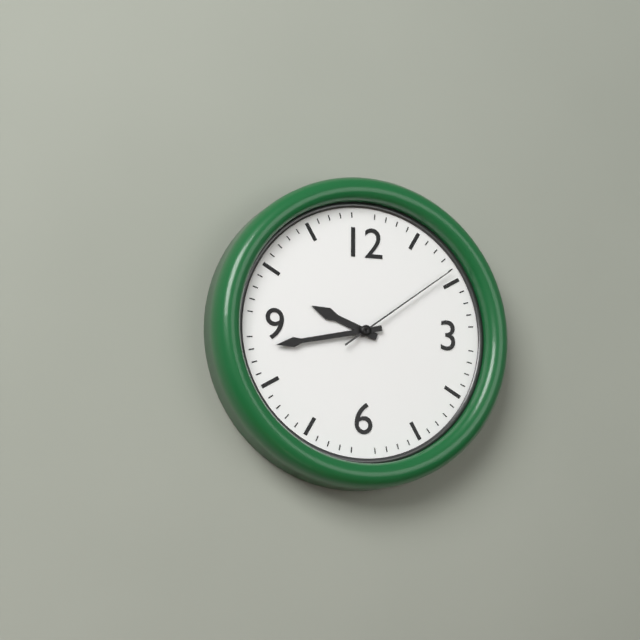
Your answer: 9 h 43 min 09 s
